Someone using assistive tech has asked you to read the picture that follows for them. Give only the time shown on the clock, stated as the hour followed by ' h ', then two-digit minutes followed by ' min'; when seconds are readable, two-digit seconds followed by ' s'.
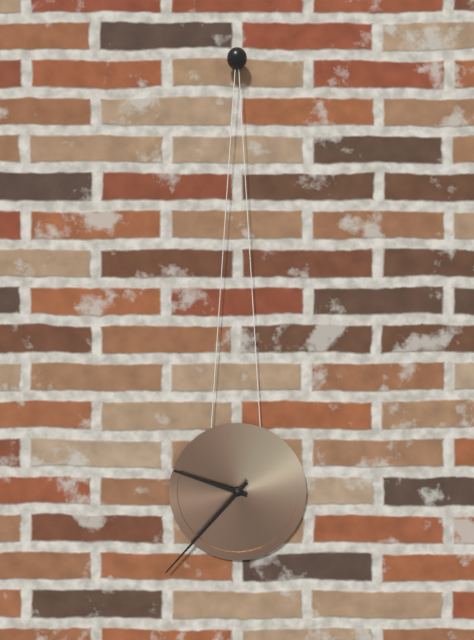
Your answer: 9 h 37 min
